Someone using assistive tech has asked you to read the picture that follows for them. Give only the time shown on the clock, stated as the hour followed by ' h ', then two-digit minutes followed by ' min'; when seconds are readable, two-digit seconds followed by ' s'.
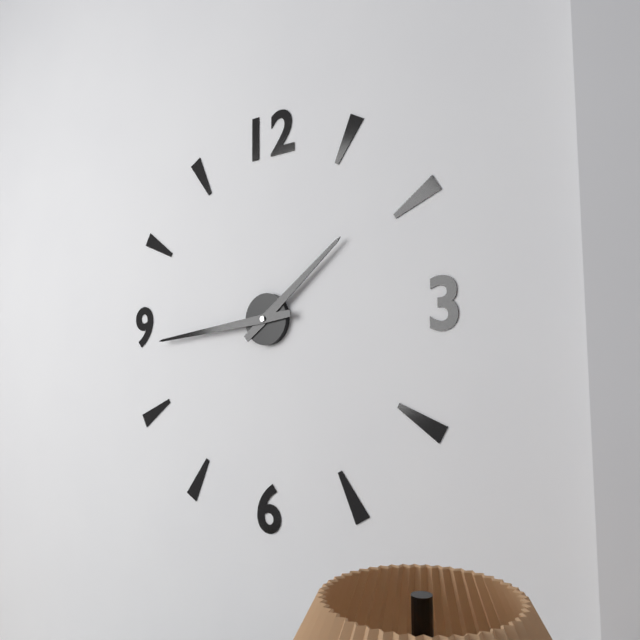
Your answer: 1 h 44 min
